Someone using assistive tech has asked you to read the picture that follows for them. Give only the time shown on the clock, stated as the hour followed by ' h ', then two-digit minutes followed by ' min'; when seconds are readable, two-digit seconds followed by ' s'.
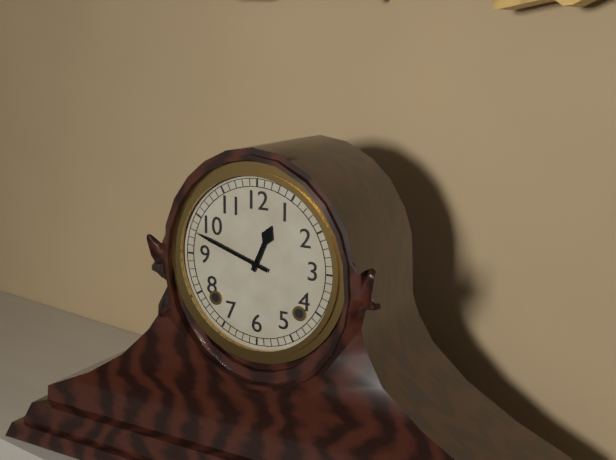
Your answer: 12 h 48 min
